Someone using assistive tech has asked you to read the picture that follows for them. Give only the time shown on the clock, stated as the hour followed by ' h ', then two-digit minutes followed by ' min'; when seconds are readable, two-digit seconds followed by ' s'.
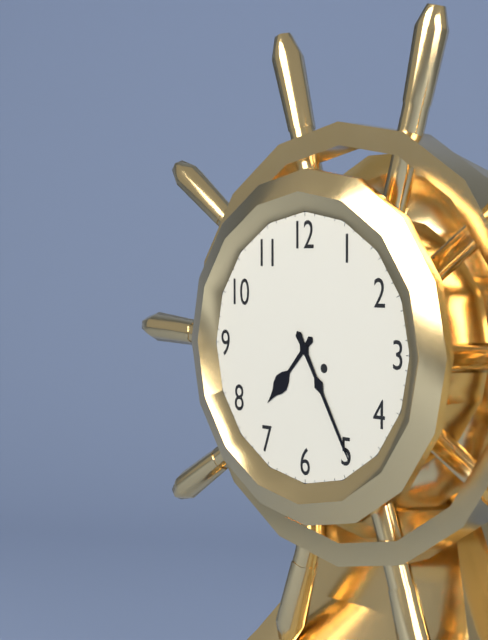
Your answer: 7 h 25 min
